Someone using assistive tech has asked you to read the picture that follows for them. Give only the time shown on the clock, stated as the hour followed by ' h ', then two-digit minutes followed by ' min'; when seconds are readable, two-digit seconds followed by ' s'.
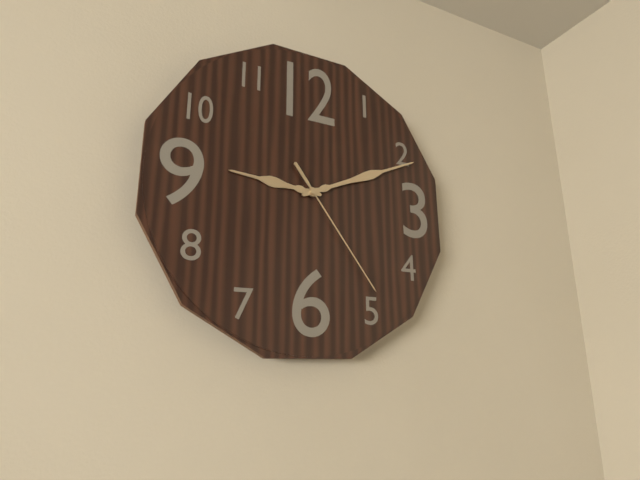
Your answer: 9 h 11 min 24 s
